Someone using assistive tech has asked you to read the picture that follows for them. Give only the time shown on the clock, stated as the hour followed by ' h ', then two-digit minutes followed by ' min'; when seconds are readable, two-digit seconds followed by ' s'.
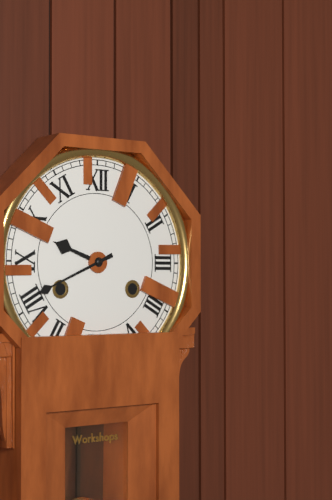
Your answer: 9 h 41 min
